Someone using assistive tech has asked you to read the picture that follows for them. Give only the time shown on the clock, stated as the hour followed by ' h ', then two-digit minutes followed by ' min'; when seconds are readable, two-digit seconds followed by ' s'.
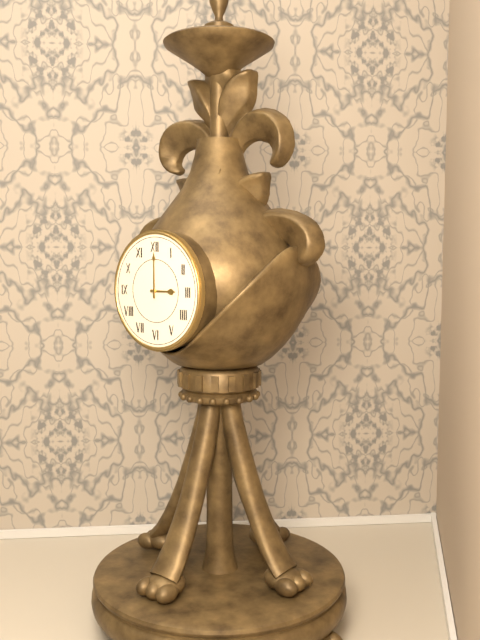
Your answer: 3 h 00 min
